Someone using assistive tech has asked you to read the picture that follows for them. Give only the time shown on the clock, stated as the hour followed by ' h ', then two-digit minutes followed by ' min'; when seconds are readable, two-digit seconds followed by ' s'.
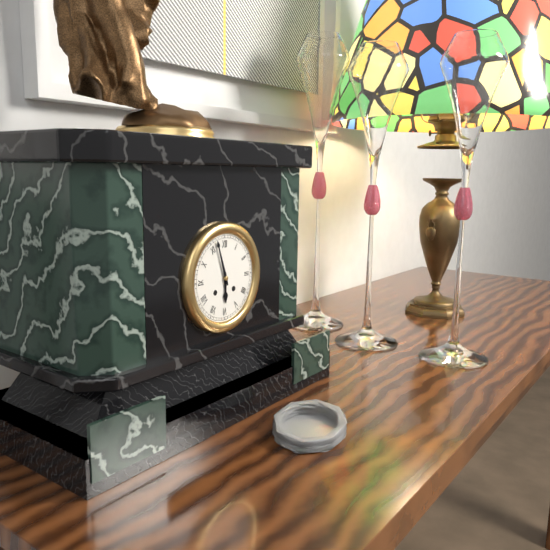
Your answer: 5 h 57 min
